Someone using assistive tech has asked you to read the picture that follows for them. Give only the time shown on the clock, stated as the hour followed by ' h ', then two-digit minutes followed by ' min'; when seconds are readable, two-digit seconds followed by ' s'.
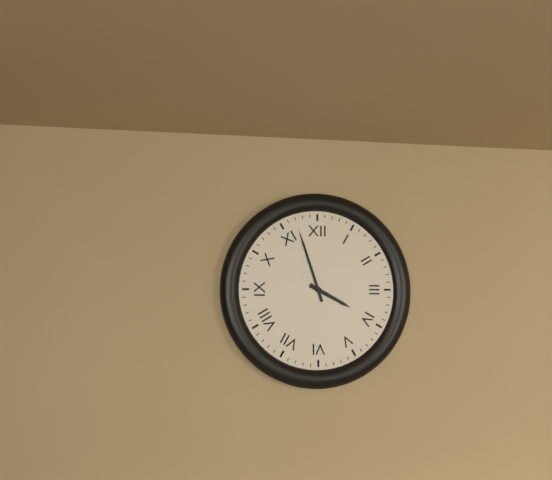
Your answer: 3 h 57 min
